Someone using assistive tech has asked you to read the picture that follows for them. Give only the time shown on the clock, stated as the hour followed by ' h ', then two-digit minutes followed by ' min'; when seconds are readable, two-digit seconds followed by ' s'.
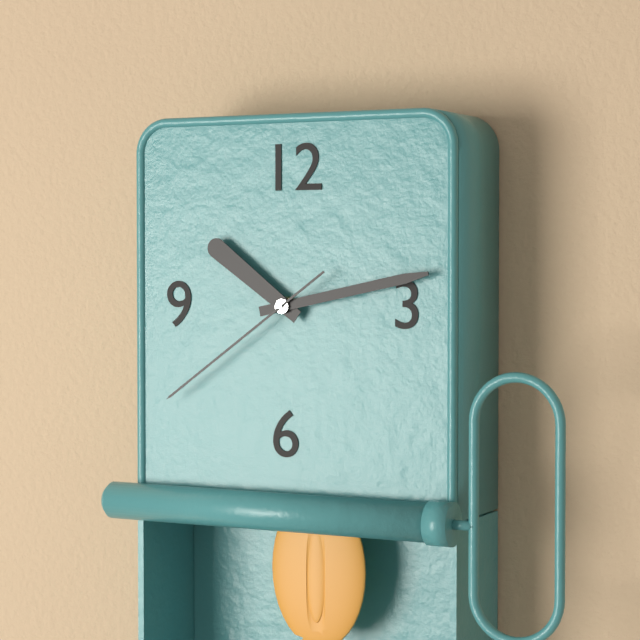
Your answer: 10 h 13 min 39 s
